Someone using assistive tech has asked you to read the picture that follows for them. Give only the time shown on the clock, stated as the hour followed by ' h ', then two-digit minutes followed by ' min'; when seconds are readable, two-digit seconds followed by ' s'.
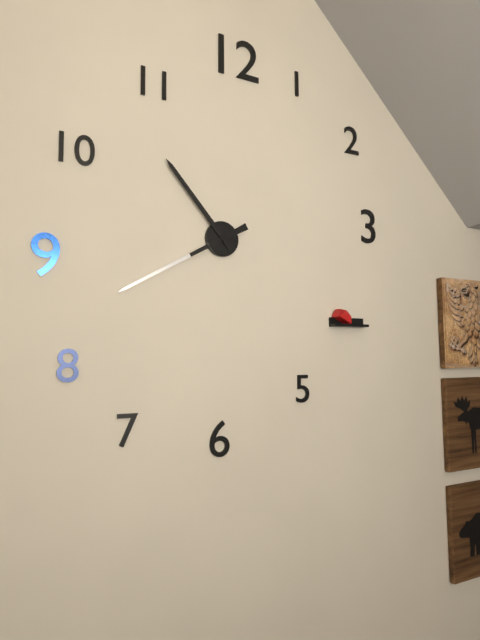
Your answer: 10 h 40 min
